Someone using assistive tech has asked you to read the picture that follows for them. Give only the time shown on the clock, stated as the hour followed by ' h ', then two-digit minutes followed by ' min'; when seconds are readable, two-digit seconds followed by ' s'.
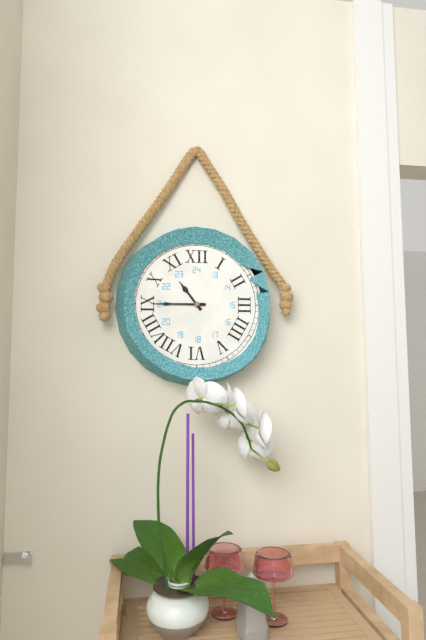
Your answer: 10 h 45 min
